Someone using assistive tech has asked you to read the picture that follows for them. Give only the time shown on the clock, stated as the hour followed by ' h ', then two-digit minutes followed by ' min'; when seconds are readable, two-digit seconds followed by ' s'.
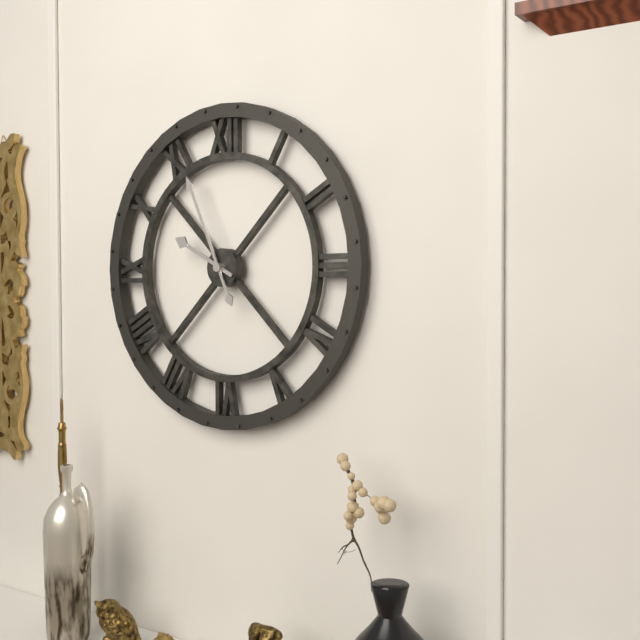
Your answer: 9 h 56 min
